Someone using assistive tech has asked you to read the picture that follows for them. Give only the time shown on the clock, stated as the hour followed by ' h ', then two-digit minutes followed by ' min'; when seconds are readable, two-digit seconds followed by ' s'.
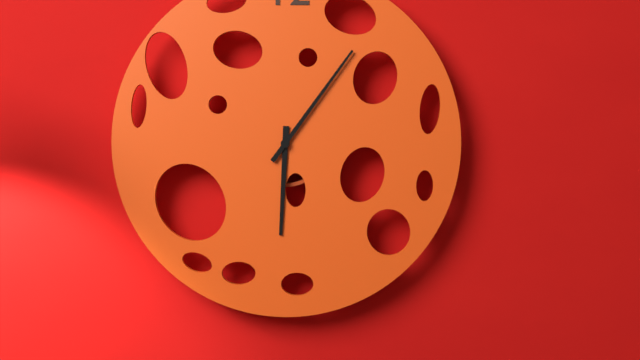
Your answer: 6 h 06 min
